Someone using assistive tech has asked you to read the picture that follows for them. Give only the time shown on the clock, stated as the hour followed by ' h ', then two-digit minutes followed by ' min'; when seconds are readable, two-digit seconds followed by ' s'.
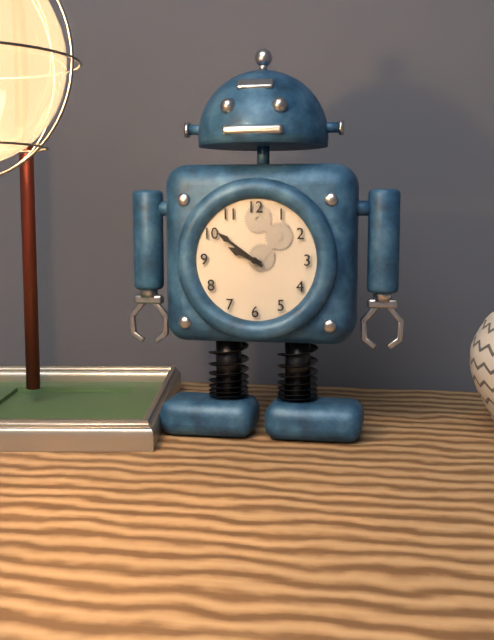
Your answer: 9 h 51 min
